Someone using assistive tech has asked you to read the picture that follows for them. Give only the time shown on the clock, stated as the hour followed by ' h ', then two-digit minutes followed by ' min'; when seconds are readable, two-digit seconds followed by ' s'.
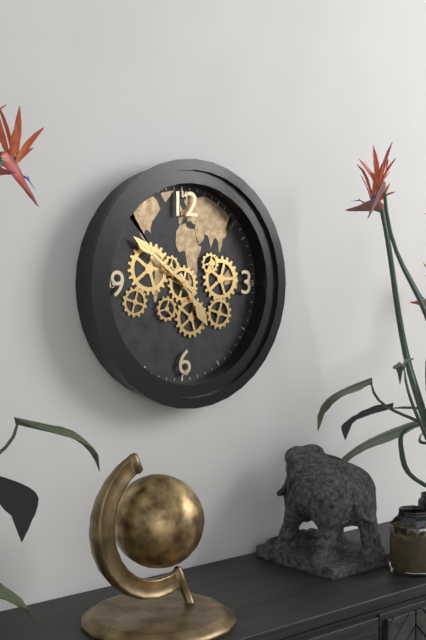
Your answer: 4 h 51 min
